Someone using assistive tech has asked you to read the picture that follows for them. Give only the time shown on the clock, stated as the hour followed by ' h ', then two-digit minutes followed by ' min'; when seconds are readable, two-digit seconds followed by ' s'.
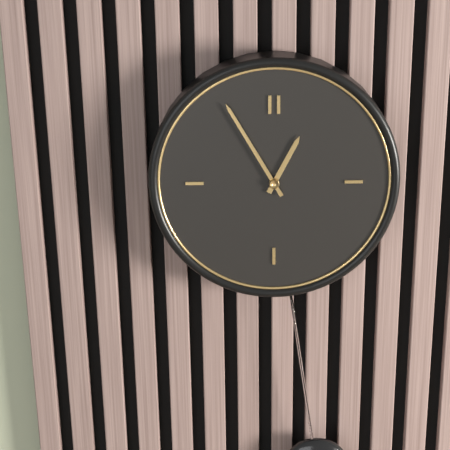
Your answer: 12 h 55 min
